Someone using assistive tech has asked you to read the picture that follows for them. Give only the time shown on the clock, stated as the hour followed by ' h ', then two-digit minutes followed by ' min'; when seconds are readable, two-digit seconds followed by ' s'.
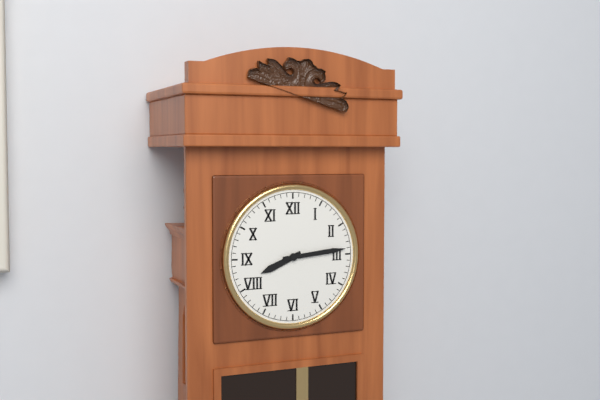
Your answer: 8 h 14 min
